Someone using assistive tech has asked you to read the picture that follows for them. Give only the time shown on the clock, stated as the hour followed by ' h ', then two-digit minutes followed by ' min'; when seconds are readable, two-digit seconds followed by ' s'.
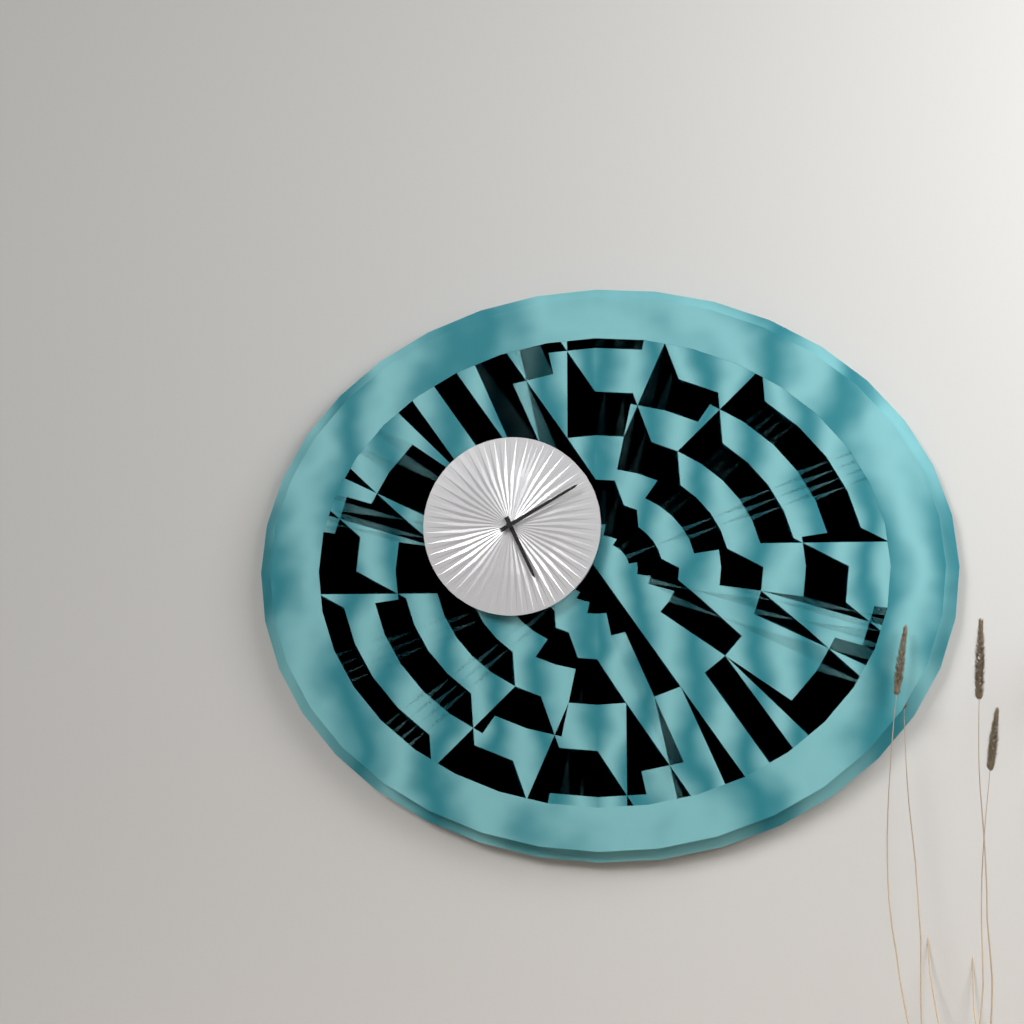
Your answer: 5 h 10 min
